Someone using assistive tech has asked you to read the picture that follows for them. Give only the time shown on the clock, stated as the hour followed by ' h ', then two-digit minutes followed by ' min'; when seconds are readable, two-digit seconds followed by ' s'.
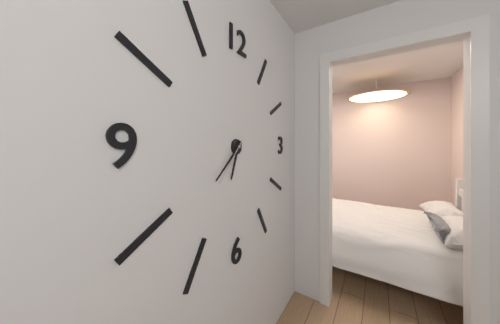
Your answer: 6 h 38 min 37 s
